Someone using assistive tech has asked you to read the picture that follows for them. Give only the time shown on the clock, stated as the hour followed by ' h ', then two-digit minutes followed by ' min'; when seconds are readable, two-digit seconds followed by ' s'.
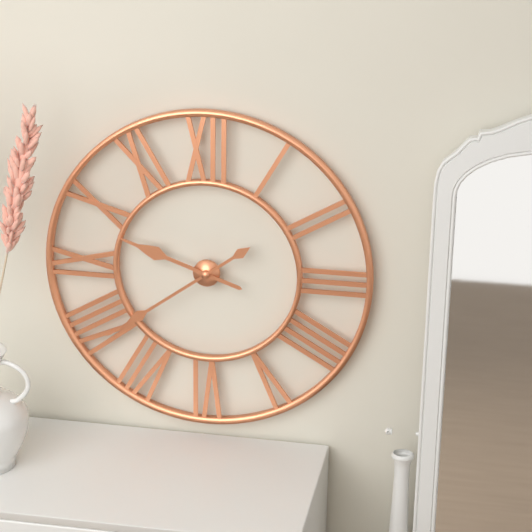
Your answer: 9 h 39 min
